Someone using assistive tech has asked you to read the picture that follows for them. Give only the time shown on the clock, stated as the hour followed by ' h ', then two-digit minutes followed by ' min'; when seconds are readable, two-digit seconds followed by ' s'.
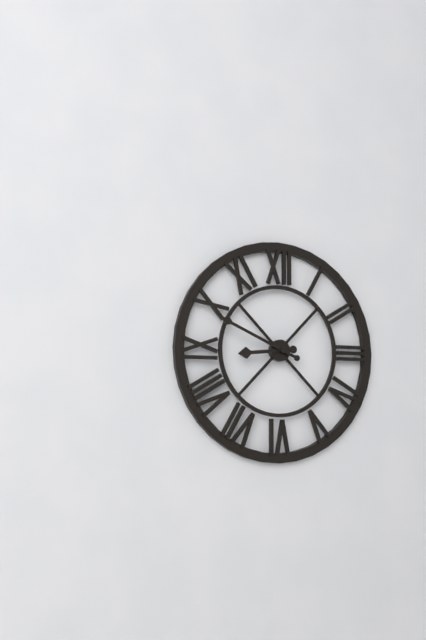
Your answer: 8 h 49 min
